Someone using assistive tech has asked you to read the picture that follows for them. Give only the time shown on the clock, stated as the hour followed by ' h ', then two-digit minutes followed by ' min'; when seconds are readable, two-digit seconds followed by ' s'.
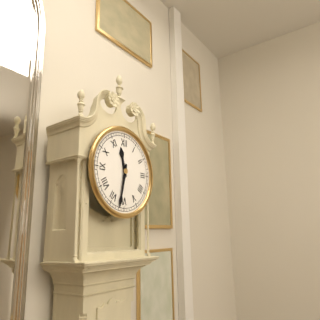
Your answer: 11 h 32 min
